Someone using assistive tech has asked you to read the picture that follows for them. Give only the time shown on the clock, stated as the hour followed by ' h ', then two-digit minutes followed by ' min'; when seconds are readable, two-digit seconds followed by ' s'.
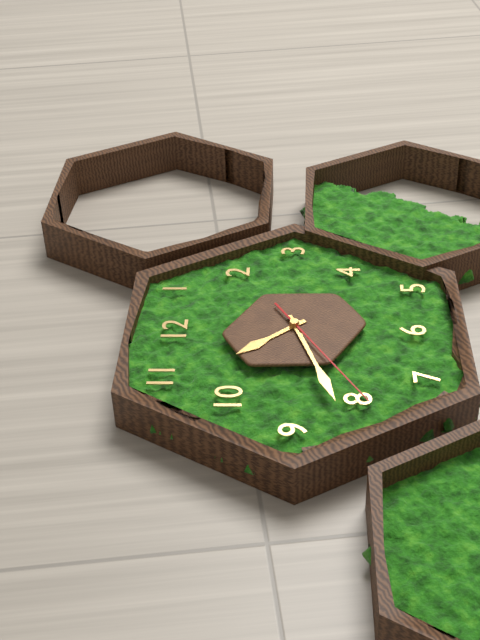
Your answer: 10 h 42 min 40 s
